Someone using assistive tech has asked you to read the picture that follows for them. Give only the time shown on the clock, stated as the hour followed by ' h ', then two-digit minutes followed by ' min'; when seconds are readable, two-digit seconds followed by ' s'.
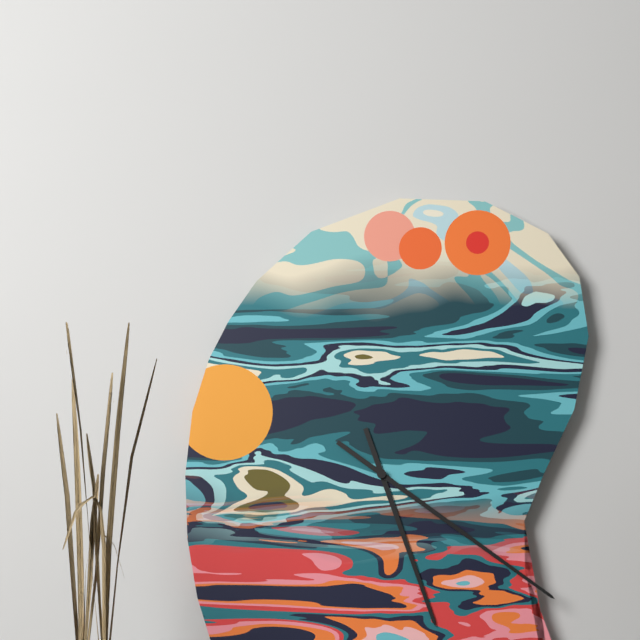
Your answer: 5 h 21 min
